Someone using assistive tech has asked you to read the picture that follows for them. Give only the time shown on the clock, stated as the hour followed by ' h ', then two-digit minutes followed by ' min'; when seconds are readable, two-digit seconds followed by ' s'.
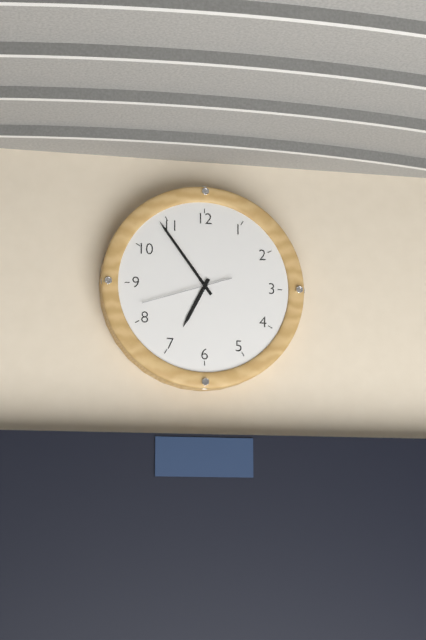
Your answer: 6 h 54 min 42 s
